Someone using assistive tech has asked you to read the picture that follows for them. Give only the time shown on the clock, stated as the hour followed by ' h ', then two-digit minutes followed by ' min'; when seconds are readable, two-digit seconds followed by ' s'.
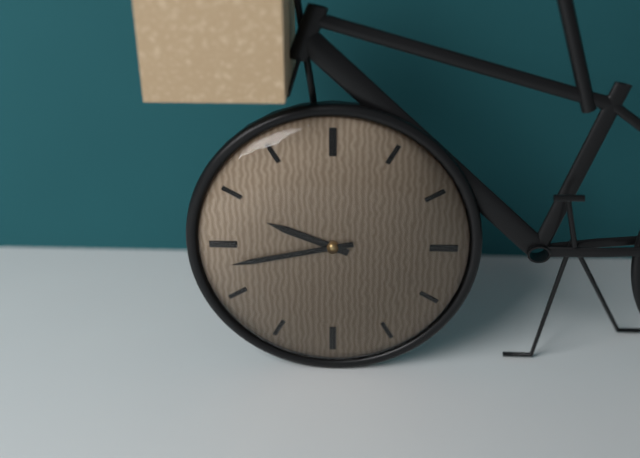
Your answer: 9 h 43 min
